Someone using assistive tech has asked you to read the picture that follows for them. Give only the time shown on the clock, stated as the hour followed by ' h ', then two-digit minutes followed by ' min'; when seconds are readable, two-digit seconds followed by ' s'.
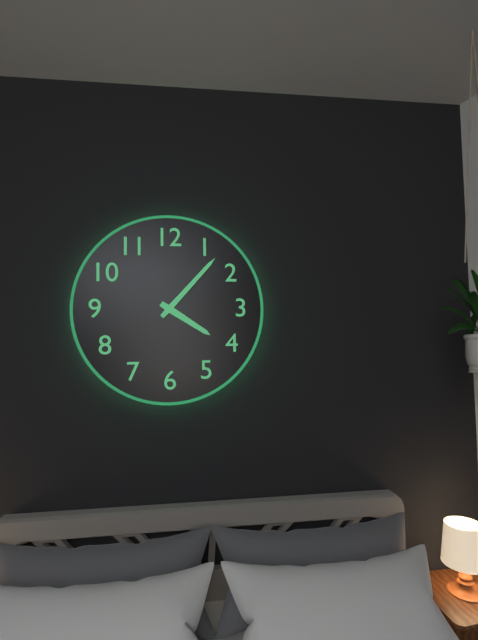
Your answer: 4 h 07 min
